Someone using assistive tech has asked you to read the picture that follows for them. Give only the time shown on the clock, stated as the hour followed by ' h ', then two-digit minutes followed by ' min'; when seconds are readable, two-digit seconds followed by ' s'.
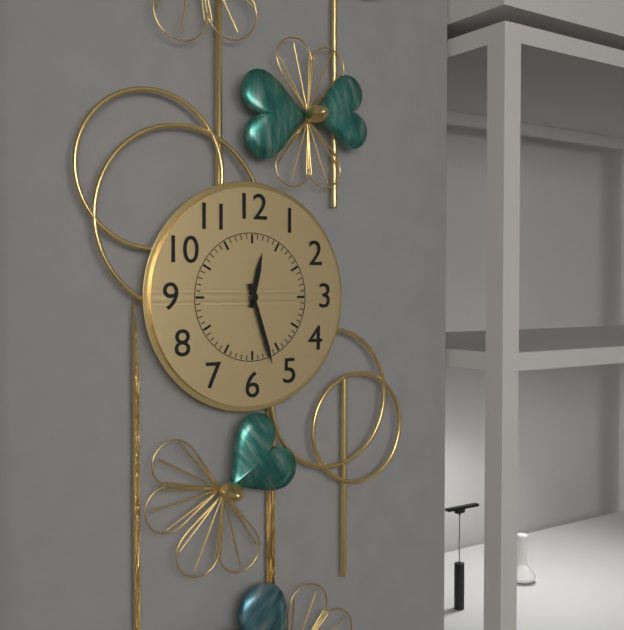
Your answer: 12 h 27 min
